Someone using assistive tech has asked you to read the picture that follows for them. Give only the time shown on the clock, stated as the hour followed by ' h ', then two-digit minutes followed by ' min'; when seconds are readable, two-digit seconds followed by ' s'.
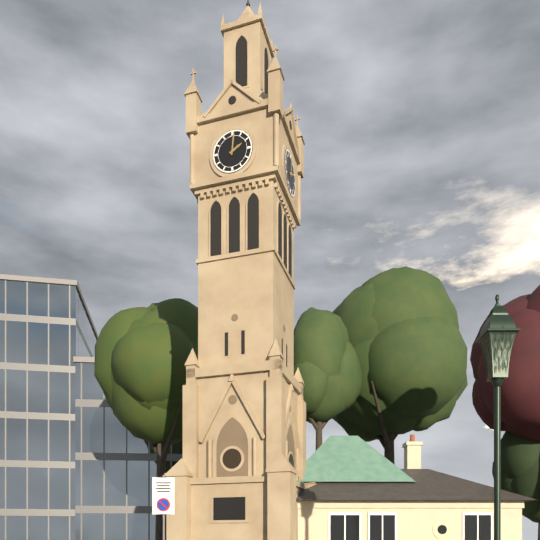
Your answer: 2 h 01 min
